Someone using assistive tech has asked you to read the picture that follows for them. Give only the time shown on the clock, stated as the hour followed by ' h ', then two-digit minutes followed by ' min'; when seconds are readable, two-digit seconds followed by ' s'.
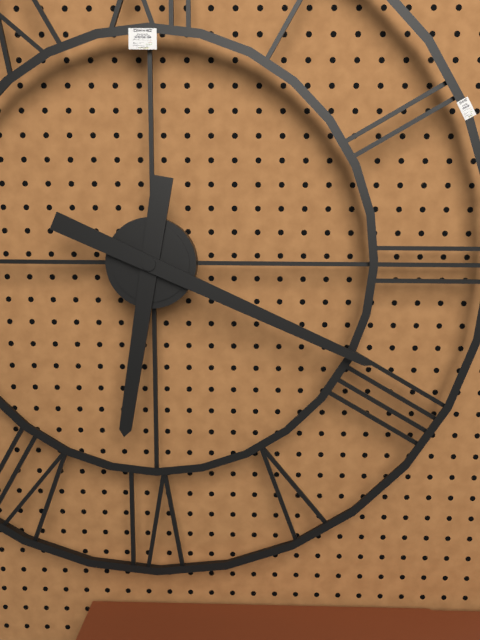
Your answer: 6 h 19 min
